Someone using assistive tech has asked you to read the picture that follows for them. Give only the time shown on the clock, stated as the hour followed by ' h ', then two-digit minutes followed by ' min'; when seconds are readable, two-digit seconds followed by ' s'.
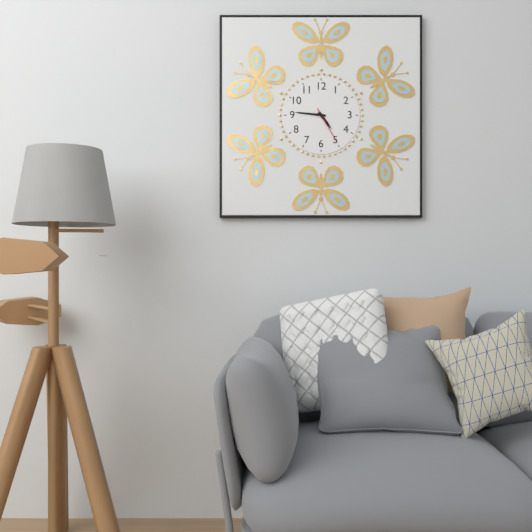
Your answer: 4 h 46 min
